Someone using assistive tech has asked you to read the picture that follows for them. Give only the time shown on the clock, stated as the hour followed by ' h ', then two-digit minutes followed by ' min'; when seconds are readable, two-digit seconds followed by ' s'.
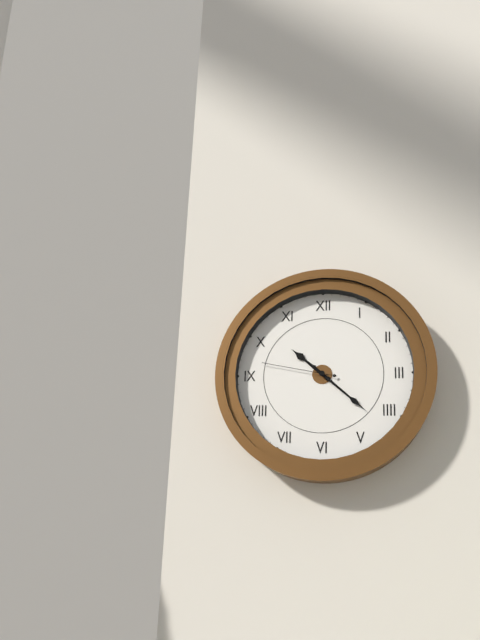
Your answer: 10 h 22 min 47 s
